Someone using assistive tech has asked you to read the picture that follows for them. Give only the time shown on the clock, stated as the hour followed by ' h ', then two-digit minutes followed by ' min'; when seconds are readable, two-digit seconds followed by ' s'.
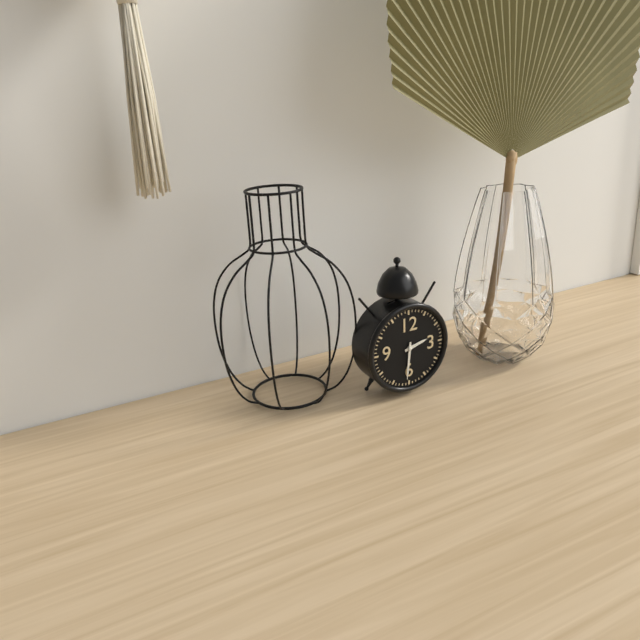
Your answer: 2 h 31 min
